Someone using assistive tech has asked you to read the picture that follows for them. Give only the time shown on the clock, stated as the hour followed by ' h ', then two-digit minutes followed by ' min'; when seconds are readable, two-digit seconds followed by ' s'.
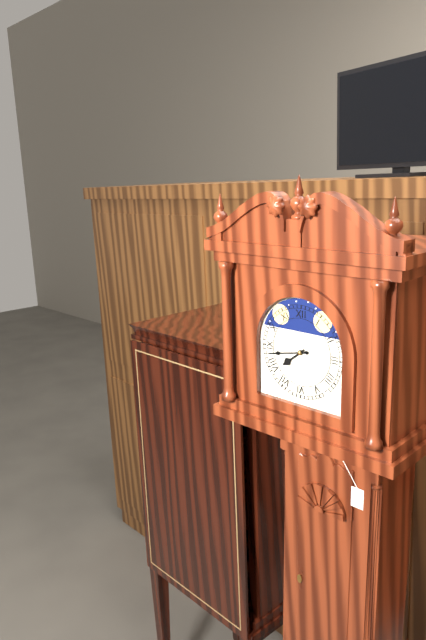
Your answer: 7 h 43 min
